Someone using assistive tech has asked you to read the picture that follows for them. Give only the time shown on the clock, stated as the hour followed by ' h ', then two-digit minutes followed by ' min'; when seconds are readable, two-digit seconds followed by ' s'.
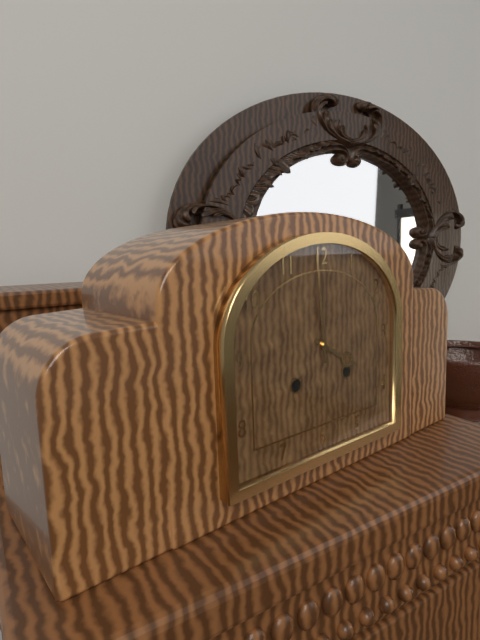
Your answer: 3 h 59 min
